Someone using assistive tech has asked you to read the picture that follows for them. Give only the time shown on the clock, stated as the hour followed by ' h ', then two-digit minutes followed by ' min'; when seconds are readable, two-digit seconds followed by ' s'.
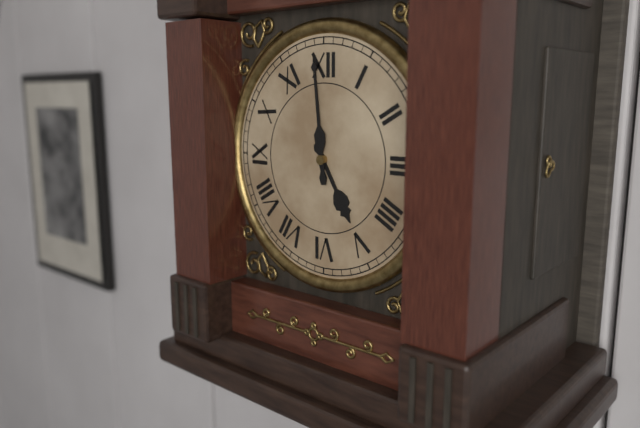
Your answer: 4 h 59 min
